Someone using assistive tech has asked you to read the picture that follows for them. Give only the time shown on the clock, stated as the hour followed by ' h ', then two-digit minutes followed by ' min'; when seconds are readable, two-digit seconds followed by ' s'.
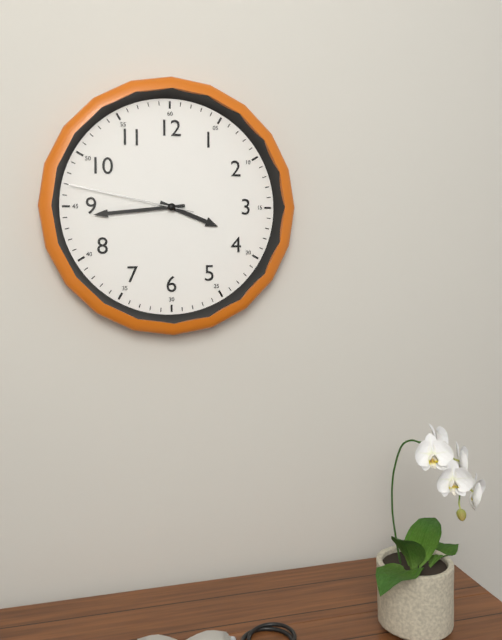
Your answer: 3 h 44 min 47 s
